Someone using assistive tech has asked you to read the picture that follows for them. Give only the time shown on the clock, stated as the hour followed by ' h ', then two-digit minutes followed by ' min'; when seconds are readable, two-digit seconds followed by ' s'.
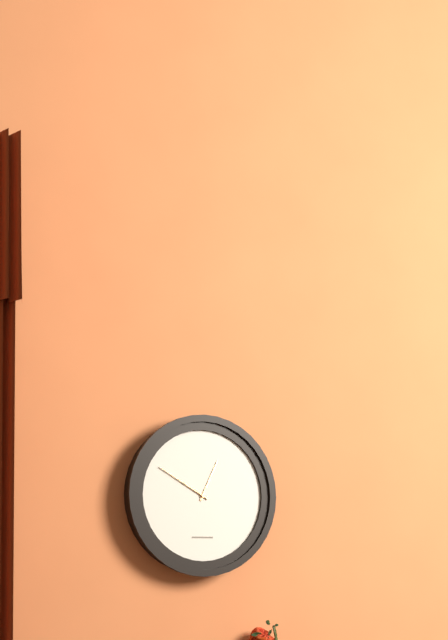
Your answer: 12 h 50 min
